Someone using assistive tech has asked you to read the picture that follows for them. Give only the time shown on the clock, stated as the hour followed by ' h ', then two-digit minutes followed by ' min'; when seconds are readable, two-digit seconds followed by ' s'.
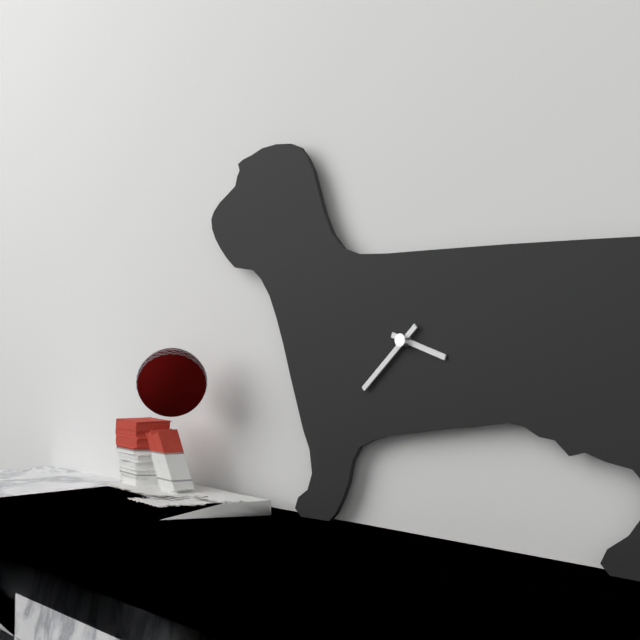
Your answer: 3 h 38 min
